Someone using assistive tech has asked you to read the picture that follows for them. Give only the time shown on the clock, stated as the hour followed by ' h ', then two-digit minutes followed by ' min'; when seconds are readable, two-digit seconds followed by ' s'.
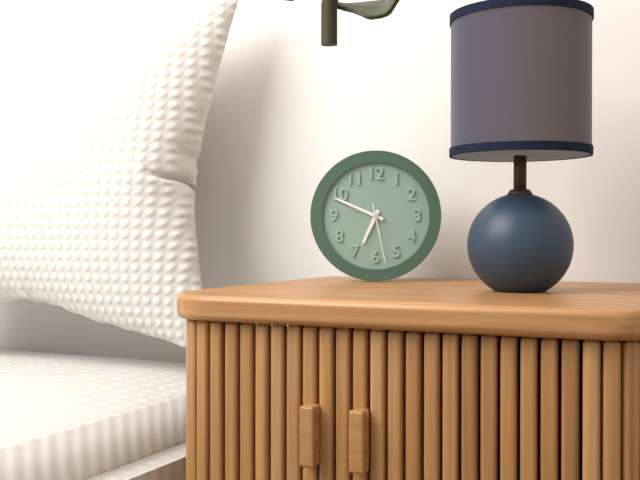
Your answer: 6 h 49 min 28 s
